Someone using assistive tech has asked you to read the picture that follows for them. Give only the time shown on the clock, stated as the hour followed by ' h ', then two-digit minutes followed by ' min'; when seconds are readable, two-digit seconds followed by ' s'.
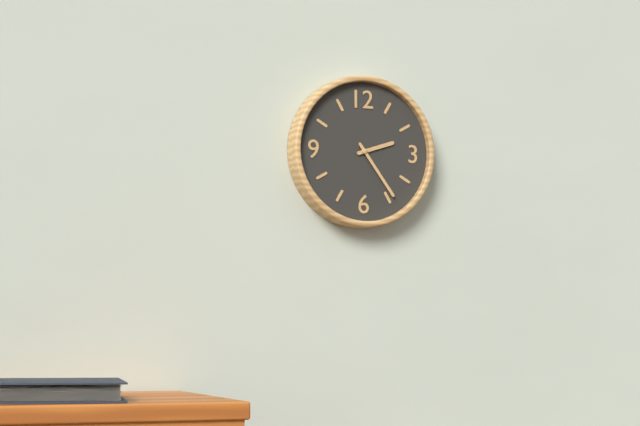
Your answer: 2 h 24 min
